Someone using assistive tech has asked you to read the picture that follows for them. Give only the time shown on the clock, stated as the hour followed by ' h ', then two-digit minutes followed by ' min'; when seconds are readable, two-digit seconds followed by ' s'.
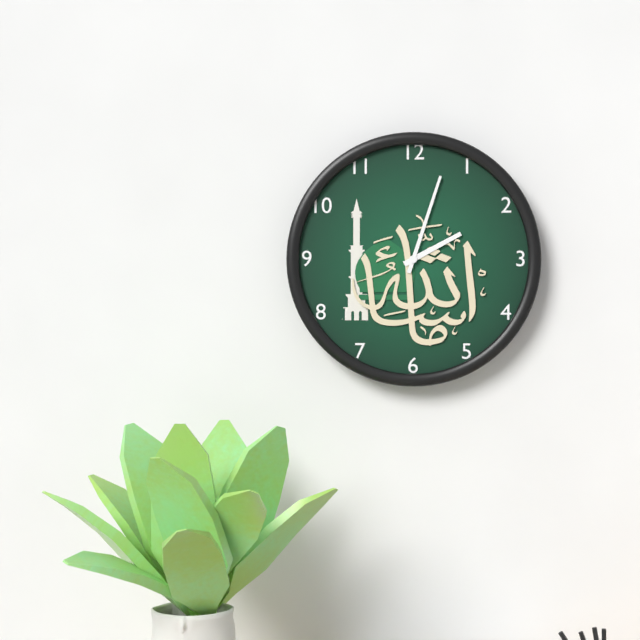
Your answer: 2 h 03 min
